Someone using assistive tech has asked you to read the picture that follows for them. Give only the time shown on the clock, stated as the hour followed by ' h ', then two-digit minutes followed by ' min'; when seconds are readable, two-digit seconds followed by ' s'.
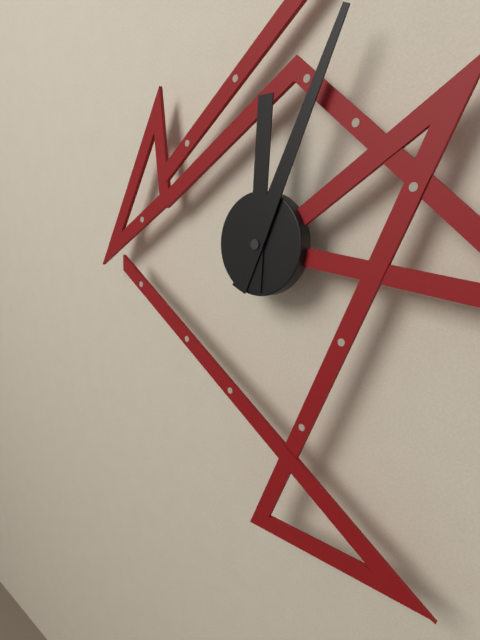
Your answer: 12 h 04 min
